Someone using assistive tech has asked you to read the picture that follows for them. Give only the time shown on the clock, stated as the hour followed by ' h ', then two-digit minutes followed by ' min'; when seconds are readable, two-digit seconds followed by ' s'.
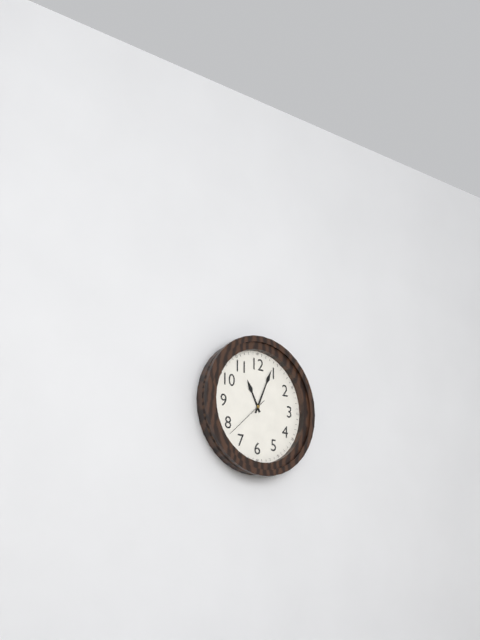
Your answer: 11 h 04 min
